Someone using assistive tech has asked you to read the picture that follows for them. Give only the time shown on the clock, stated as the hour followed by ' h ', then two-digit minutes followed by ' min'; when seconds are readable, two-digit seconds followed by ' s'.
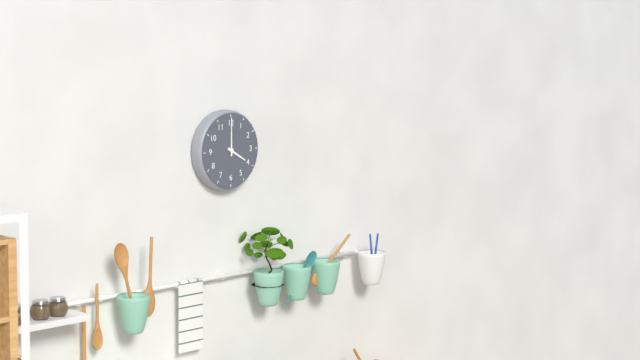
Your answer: 4 h 00 min
